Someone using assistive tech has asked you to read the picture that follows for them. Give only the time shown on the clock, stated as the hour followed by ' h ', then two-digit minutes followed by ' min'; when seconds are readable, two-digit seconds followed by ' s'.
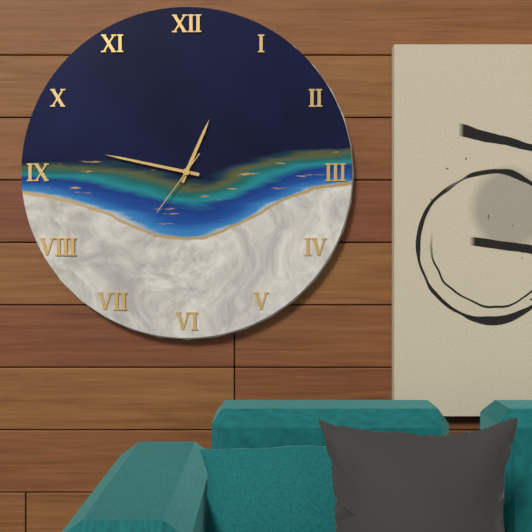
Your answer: 12 h 47 min 36 s
